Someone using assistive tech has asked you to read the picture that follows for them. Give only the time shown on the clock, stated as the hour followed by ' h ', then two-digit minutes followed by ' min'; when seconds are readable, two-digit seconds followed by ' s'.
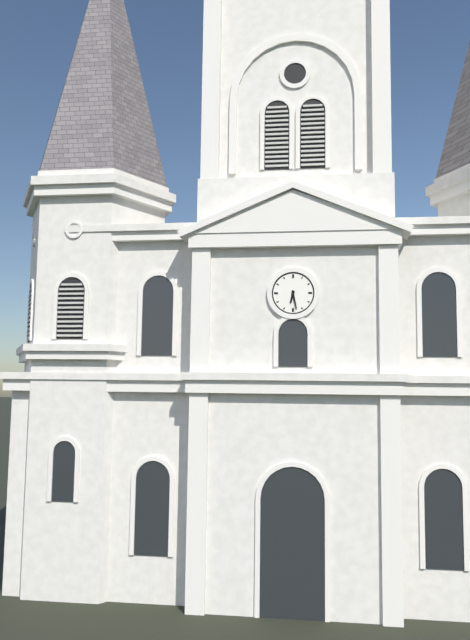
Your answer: 6 h 28 min
